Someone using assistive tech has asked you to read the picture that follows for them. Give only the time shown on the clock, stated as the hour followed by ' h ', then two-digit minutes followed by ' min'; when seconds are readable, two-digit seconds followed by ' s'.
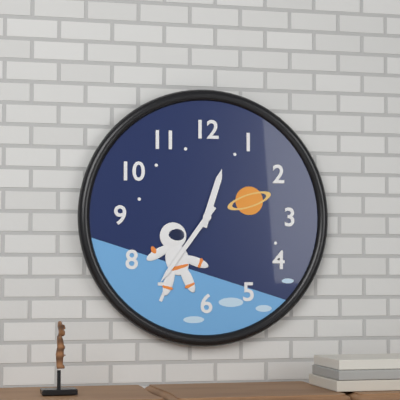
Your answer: 12 h 36 min
